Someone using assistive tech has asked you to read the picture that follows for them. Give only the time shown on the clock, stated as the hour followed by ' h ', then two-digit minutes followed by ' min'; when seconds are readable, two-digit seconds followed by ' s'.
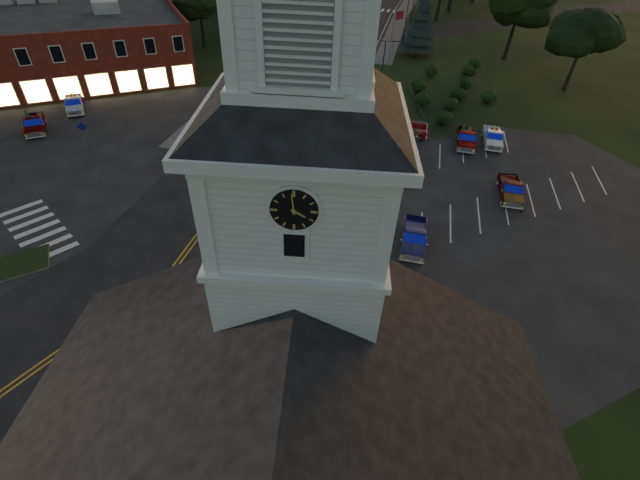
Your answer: 3 h 59 min
